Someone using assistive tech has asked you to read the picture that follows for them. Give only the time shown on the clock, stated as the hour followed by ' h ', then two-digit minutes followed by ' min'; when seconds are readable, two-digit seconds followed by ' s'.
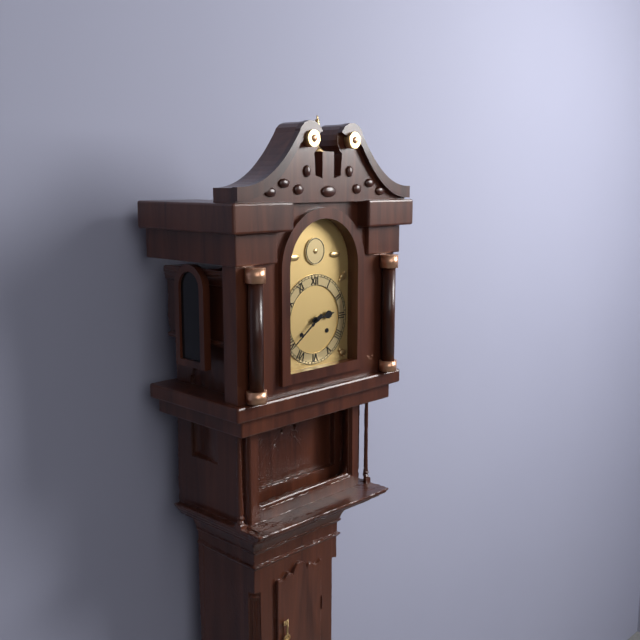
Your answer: 2 h 39 min
